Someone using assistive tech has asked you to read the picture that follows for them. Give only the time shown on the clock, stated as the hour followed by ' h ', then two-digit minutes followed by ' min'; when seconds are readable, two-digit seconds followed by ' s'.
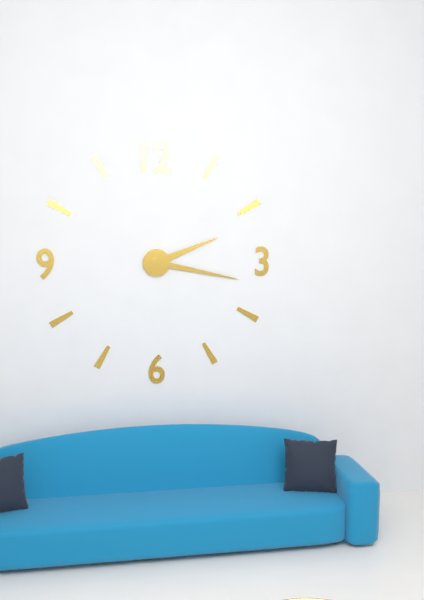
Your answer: 2 h 17 min
